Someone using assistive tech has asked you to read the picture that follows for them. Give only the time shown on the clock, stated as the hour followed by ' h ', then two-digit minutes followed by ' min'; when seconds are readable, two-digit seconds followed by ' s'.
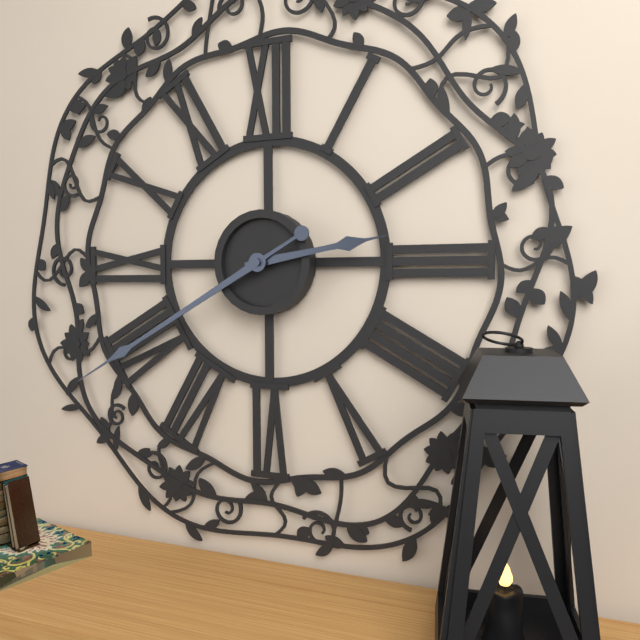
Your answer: 2 h 40 min
